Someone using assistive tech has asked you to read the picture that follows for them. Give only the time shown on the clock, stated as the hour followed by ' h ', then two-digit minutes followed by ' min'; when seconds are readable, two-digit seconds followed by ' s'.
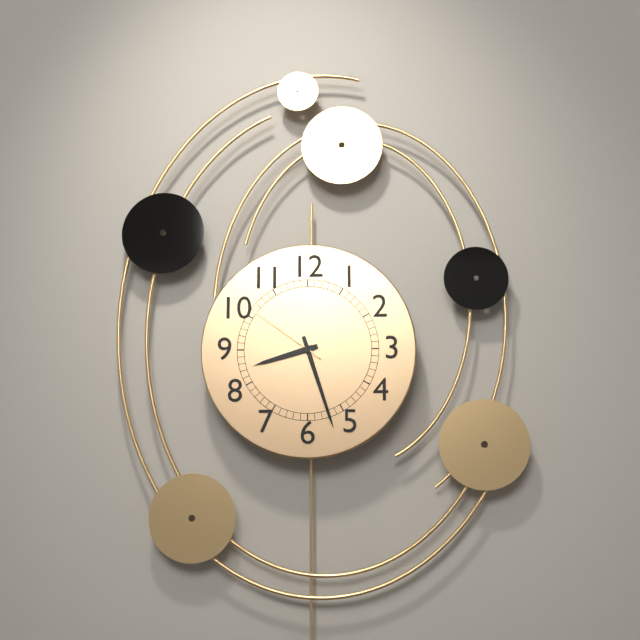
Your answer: 8 h 27 min 51 s
